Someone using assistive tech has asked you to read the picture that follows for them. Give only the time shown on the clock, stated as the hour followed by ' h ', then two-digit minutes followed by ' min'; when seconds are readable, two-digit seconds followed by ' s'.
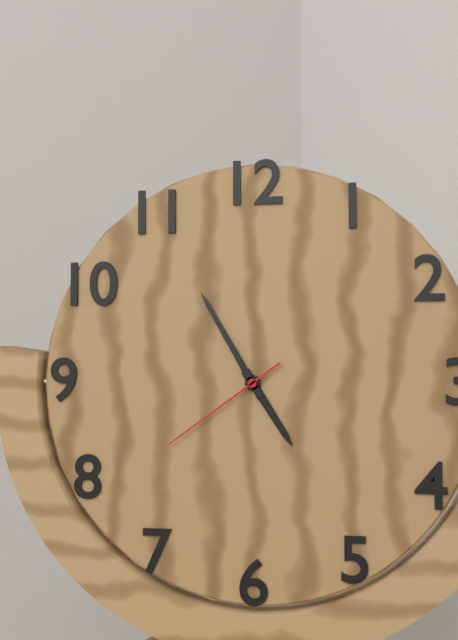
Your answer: 4 h 55 min 39 s
